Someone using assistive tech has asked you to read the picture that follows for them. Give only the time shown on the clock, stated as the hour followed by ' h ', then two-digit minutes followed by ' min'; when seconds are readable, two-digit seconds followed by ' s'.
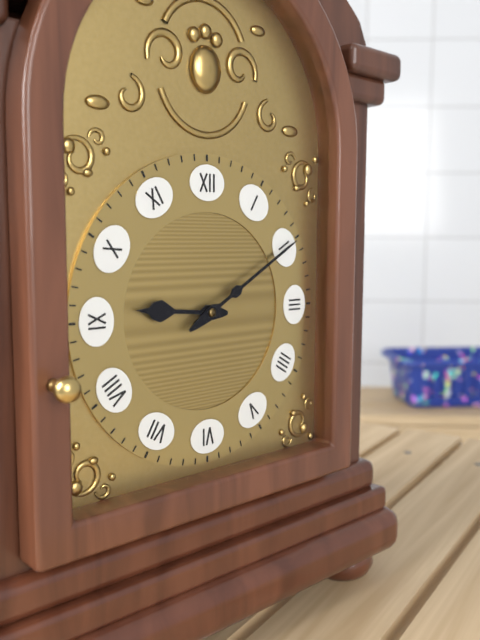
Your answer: 9 h 10 min
